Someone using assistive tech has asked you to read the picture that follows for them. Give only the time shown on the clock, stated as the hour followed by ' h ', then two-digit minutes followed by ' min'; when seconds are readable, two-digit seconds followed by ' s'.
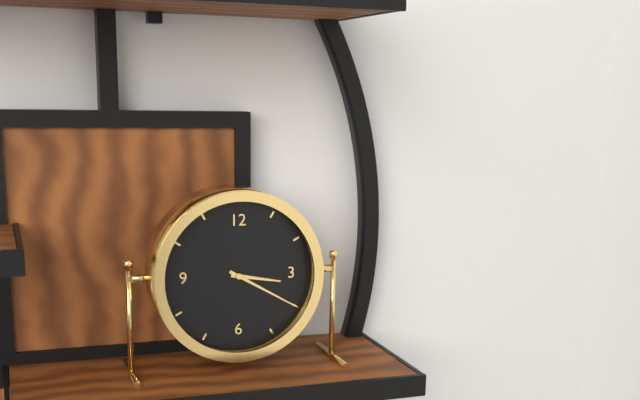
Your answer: 3 h 20 min
